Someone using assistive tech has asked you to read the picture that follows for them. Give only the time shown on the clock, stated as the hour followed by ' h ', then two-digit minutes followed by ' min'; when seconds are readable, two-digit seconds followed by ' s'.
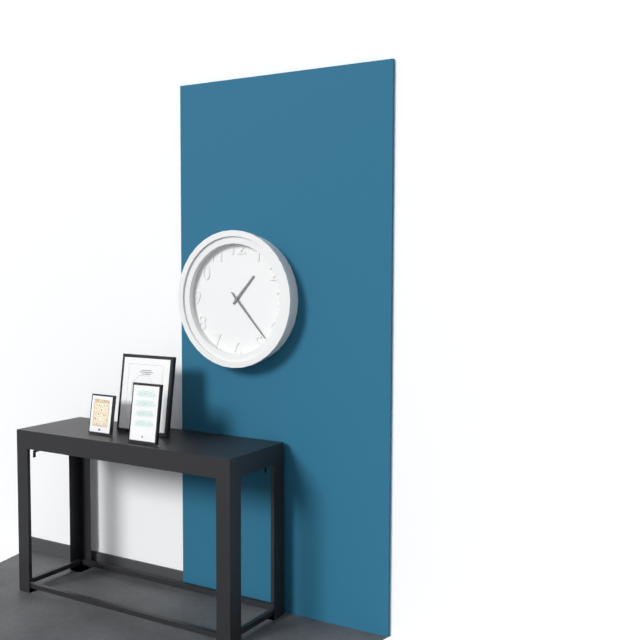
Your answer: 1 h 23 min
